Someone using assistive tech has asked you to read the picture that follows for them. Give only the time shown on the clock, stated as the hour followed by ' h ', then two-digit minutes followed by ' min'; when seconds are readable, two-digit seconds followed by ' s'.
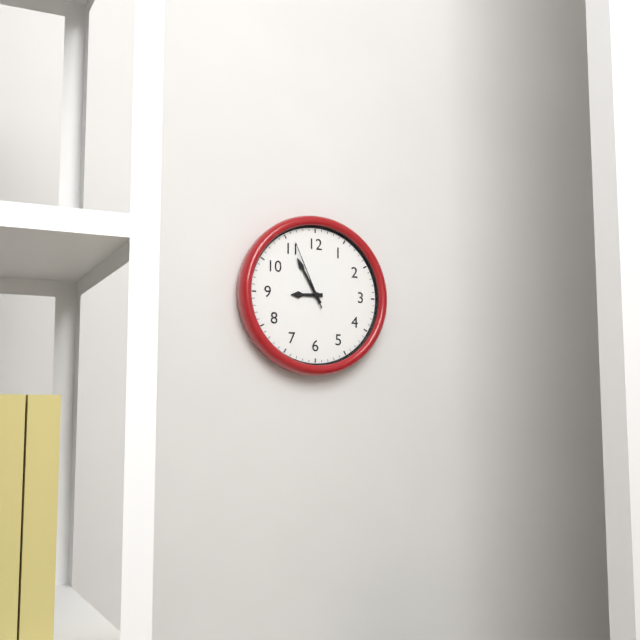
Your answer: 8 h 55 min 56 s
